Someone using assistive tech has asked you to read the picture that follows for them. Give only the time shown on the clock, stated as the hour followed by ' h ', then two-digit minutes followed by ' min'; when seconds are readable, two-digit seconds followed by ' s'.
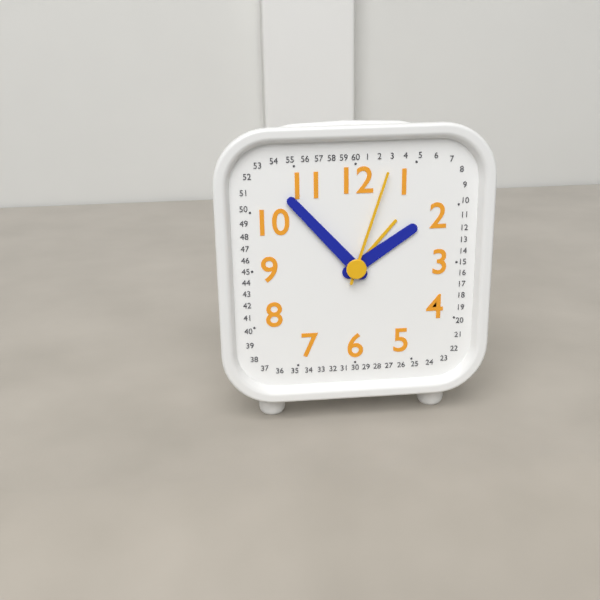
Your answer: 1 h 53 min 03 s
